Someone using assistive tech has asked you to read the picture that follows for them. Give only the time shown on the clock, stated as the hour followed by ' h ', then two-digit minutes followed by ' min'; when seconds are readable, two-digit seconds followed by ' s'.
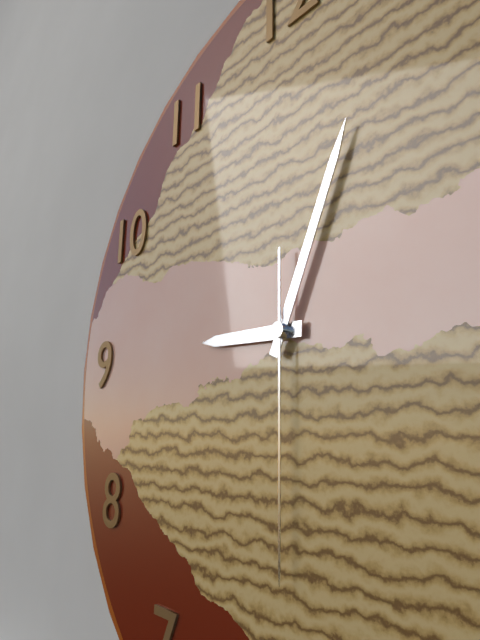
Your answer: 9 h 04 min 30 s
